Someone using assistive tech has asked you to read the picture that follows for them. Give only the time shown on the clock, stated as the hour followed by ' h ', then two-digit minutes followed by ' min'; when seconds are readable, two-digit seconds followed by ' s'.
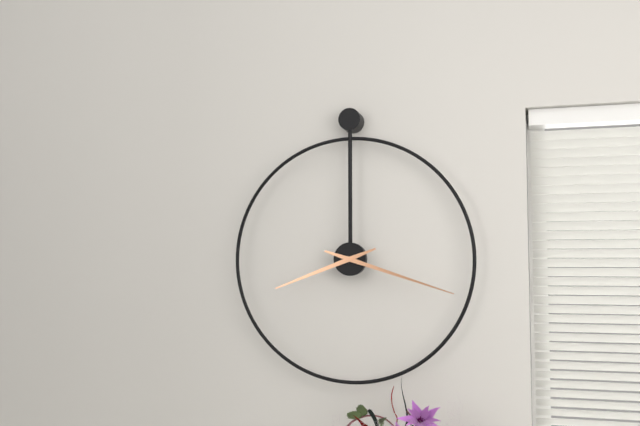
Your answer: 8 h 18 min
